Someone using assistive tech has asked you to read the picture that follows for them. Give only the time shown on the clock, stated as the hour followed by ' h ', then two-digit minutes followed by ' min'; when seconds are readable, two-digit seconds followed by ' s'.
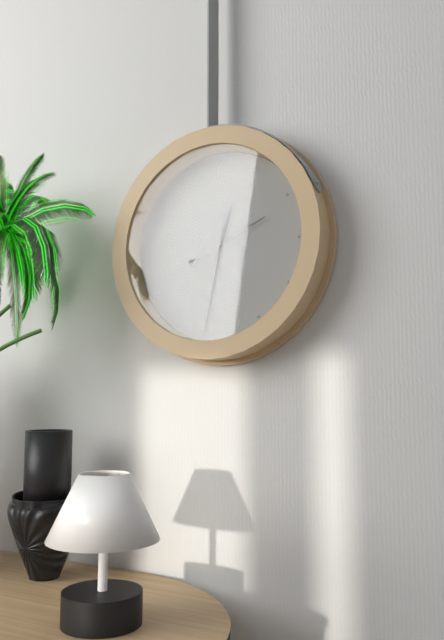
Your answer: 12 h 32 min 11 s
